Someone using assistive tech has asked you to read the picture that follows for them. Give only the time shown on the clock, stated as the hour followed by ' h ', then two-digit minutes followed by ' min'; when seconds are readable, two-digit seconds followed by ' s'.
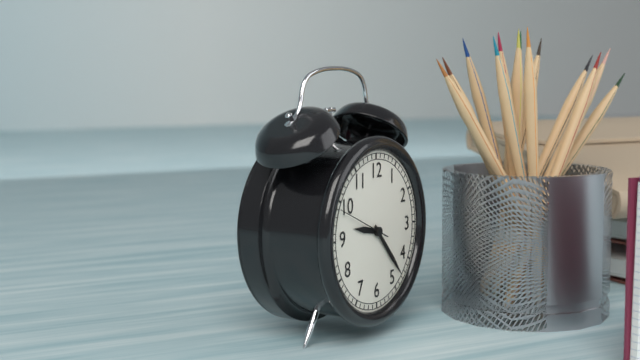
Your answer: 9 h 23 min 49 s
